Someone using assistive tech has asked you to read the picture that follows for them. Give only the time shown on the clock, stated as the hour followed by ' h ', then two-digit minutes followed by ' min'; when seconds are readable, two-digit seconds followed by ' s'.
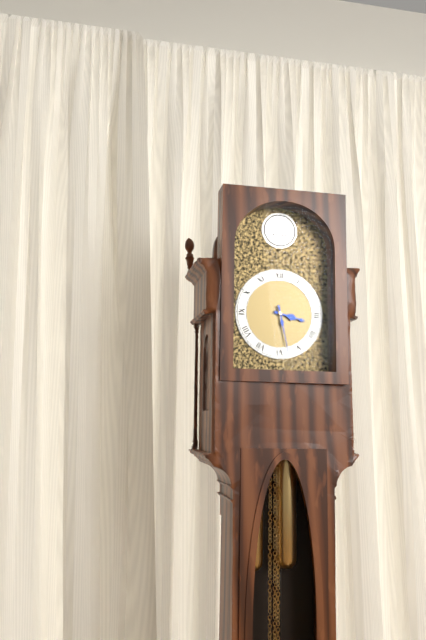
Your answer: 3 h 28 min
